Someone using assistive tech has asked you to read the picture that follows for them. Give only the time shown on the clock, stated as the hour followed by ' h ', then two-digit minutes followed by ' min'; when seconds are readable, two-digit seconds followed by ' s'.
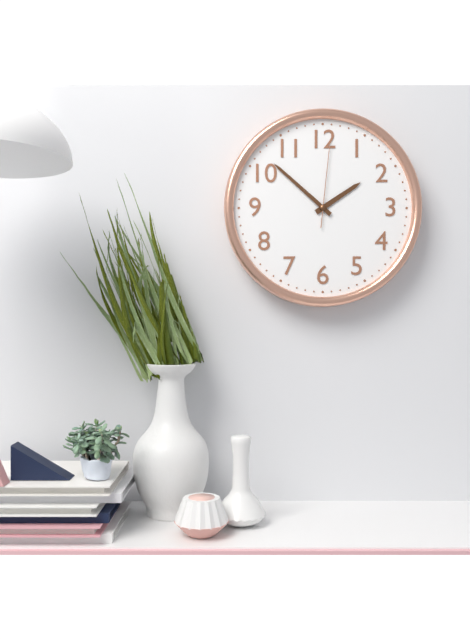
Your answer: 1 h 52 min 01 s
